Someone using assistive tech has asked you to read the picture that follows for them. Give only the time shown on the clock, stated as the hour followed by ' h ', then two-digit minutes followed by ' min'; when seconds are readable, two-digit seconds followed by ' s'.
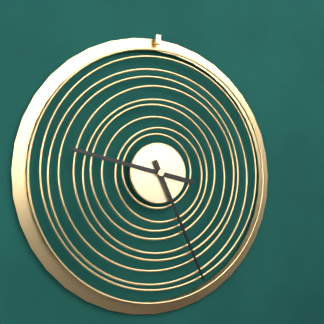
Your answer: 9 h 26 min
